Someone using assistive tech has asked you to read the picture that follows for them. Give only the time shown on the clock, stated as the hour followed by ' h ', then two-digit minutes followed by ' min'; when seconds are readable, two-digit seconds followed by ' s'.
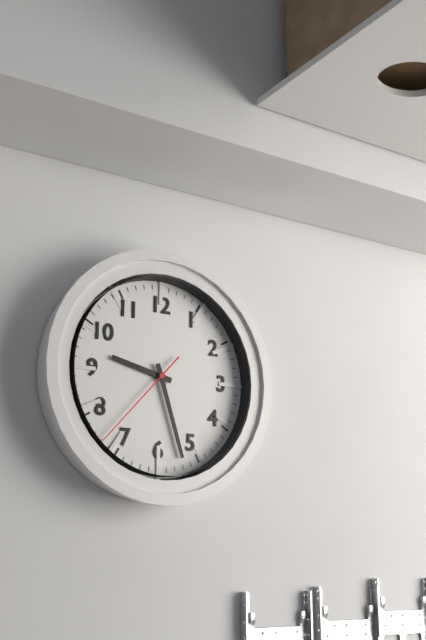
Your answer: 9 h 27 min 37 s
